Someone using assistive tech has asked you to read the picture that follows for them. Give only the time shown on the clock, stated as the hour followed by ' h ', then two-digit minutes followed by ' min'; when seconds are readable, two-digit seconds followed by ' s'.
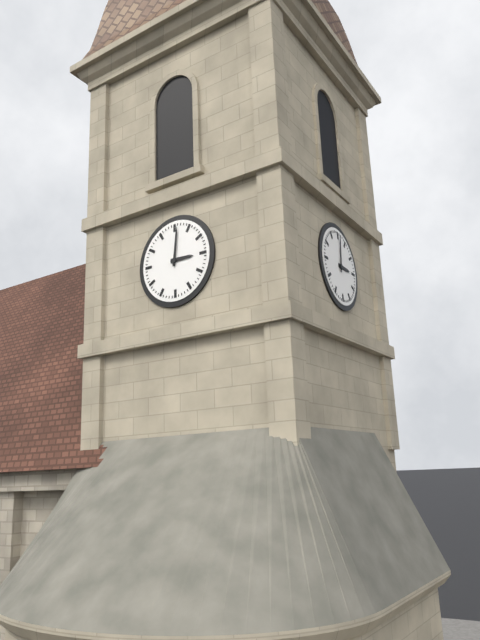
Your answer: 3 h 01 min
